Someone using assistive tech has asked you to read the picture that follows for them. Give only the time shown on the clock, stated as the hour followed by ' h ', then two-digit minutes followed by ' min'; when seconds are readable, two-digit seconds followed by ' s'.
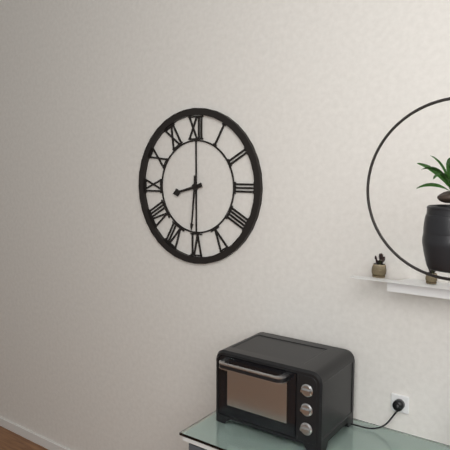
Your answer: 8 h 31 min
